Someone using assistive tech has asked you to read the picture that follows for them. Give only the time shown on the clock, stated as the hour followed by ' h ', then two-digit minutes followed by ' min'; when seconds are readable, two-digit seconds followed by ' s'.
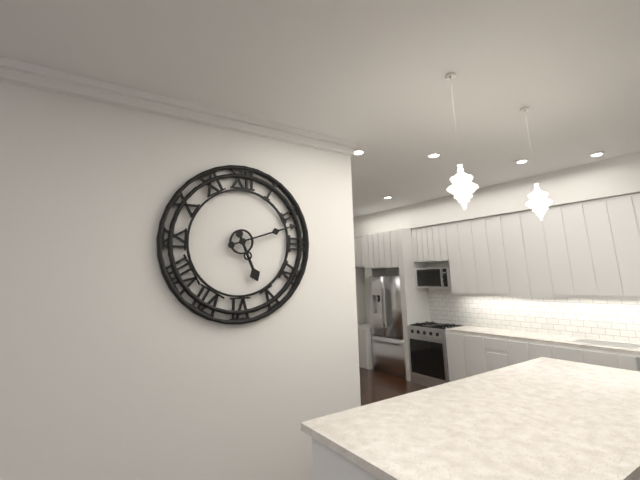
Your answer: 5 h 12 min
